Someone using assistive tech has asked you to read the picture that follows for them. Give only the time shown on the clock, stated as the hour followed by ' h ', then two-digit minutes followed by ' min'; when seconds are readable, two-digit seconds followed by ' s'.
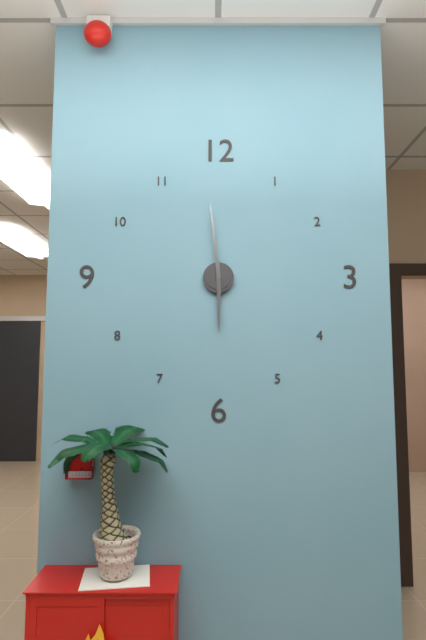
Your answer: 5 h 59 min
